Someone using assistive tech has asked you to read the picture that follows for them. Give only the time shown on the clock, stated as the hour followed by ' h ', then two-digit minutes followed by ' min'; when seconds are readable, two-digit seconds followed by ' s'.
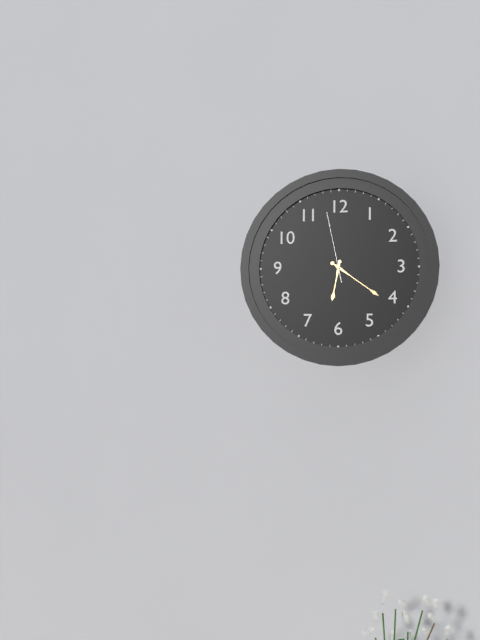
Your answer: 6 h 21 min 58 s
